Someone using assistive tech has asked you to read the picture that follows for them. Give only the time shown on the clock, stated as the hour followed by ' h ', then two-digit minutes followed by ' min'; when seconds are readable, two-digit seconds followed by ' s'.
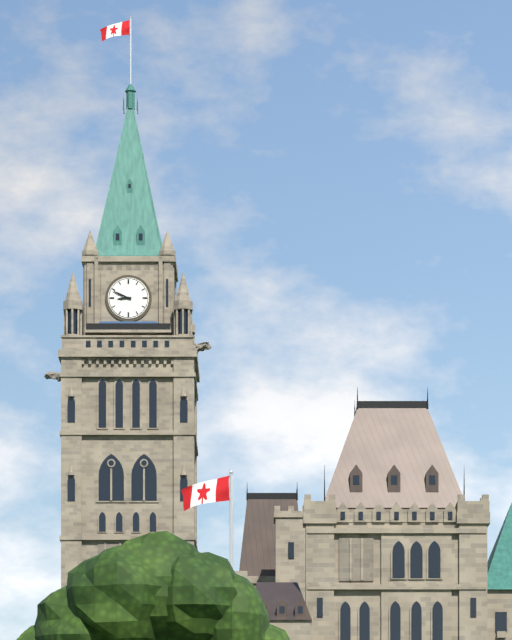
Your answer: 8 h 49 min
